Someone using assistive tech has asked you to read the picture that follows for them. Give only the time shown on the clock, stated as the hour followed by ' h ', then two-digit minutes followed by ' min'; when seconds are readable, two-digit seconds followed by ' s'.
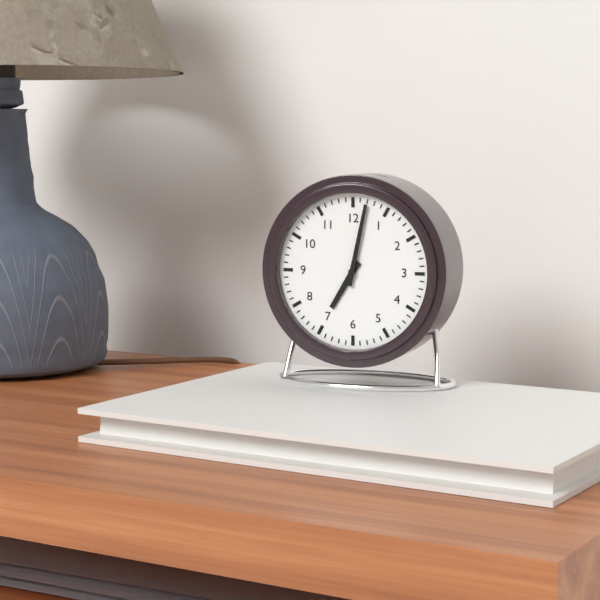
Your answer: 7 h 02 min
